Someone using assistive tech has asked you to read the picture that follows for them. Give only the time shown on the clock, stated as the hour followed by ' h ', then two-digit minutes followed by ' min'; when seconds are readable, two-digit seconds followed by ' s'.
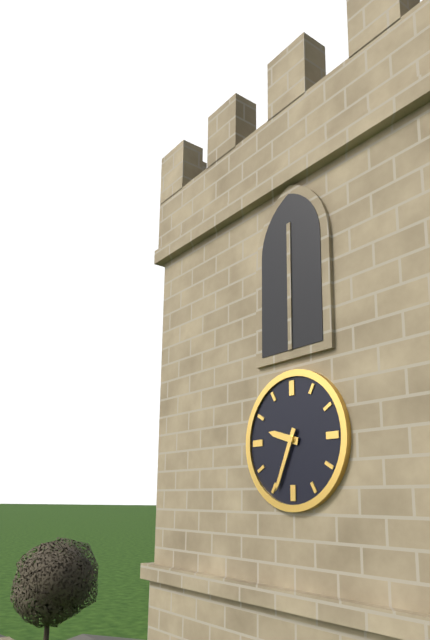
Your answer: 9 h 34 min
